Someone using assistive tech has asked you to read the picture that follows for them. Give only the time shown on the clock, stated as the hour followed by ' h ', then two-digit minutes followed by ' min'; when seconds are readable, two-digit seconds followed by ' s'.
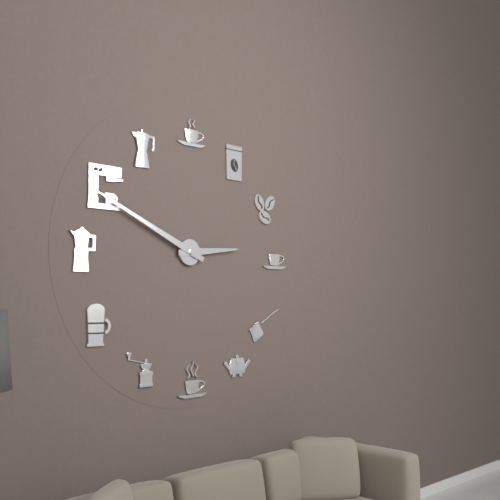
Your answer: 2 h 49 min
